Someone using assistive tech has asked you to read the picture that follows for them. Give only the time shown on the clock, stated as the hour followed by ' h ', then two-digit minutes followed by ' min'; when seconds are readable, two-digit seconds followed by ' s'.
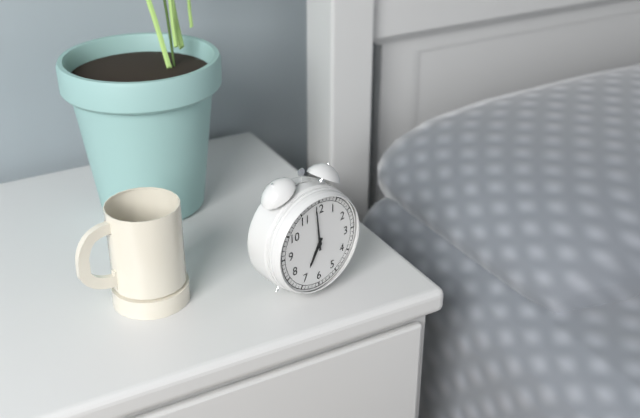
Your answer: 6 h 59 min
